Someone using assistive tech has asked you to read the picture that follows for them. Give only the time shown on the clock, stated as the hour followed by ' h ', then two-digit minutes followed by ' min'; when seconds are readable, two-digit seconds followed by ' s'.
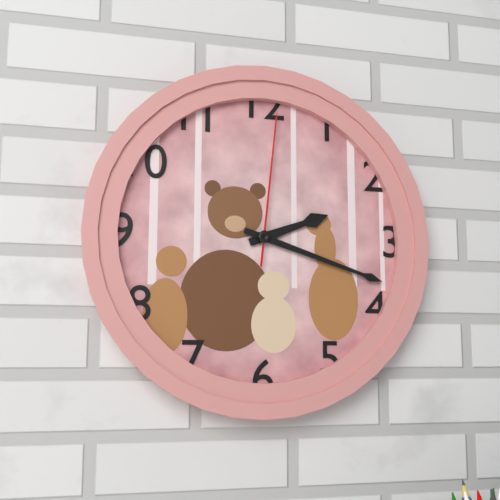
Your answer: 2 h 18 min 01 s
